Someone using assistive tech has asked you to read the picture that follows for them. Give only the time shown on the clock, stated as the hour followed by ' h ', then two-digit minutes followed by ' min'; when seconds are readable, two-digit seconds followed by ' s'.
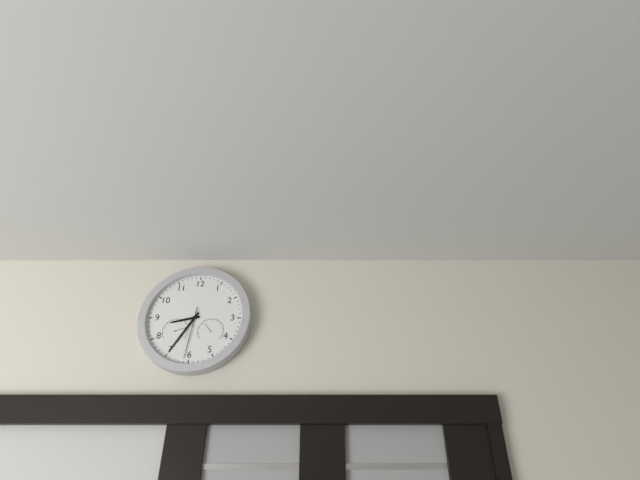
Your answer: 8 h 35 min 31 s
